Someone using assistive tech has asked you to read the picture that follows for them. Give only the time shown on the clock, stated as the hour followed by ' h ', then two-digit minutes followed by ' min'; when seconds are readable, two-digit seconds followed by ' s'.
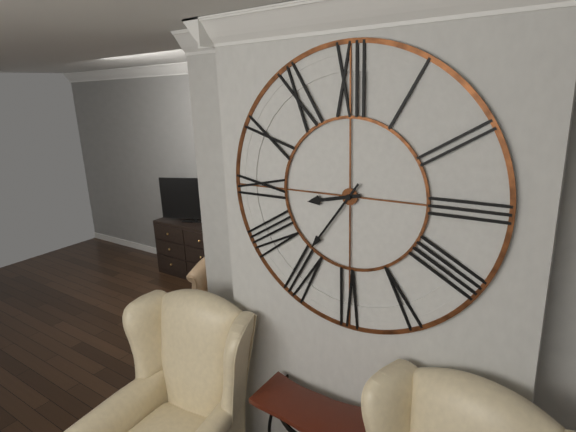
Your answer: 8 h 36 min
